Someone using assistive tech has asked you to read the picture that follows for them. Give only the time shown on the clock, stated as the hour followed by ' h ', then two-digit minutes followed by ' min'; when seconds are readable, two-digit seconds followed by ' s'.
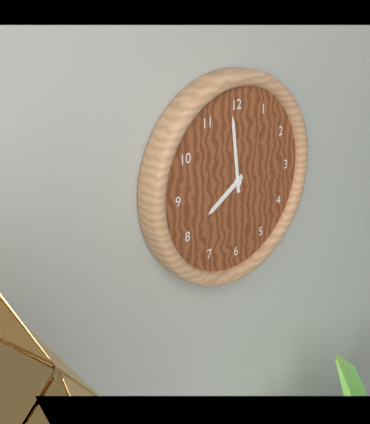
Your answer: 7 h 59 min
